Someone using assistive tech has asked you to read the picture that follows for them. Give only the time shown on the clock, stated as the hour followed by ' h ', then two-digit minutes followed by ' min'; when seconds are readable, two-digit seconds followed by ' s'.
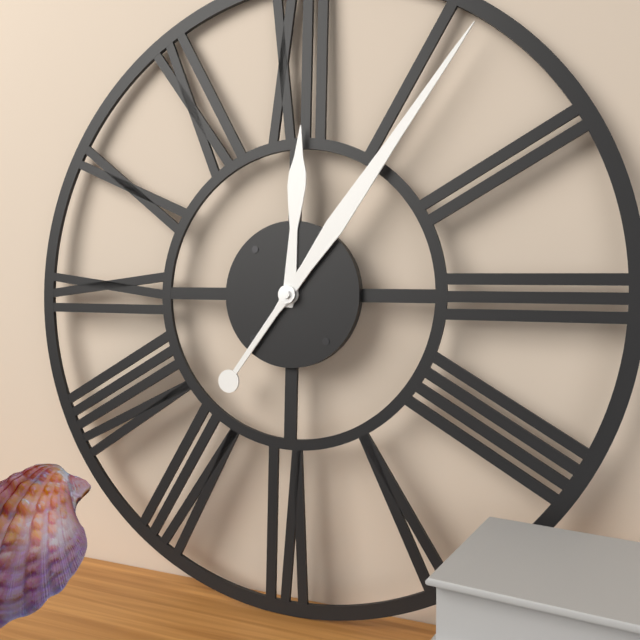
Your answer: 12 h 06 min
